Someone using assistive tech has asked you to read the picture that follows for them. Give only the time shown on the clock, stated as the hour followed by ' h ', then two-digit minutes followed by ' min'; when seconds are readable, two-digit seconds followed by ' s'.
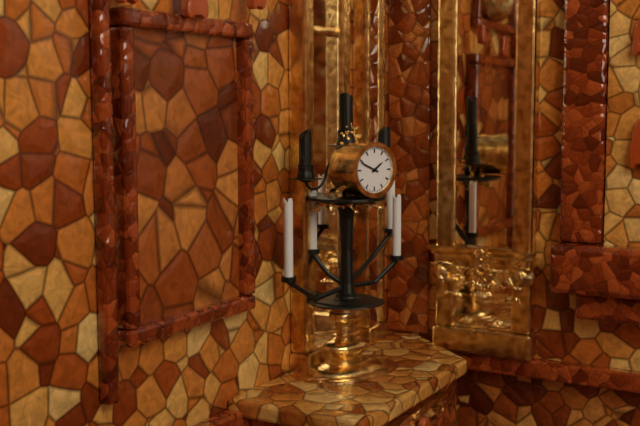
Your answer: 1 h 49 min
